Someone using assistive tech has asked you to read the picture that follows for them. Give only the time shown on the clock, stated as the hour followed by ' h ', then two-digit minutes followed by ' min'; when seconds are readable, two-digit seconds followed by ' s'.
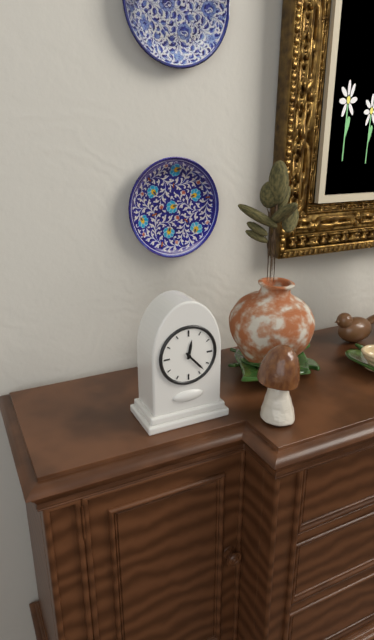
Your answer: 12 h 23 min
